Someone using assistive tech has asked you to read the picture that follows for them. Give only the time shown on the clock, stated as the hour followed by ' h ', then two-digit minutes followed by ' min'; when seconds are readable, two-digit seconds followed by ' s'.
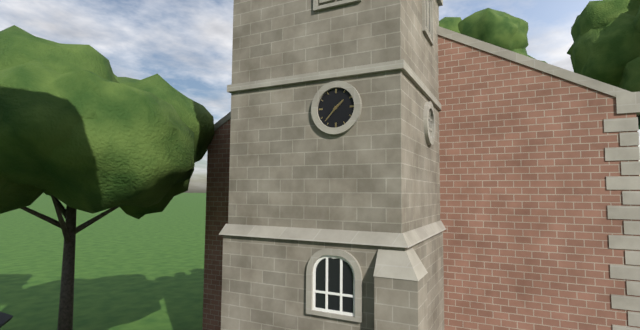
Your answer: 1 h 37 min
